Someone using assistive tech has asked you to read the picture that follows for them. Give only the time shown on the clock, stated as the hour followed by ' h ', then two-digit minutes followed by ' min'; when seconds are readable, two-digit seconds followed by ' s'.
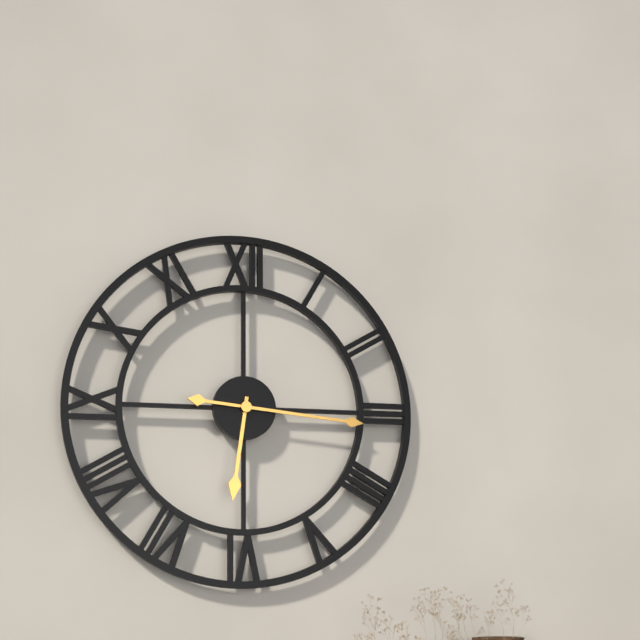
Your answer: 6 h 16 min
